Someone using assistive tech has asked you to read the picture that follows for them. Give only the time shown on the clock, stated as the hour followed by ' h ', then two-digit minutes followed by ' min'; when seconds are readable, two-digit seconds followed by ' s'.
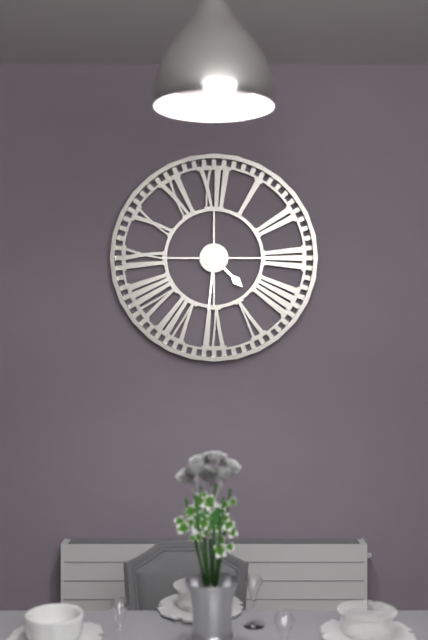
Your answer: 4 h 31 min
